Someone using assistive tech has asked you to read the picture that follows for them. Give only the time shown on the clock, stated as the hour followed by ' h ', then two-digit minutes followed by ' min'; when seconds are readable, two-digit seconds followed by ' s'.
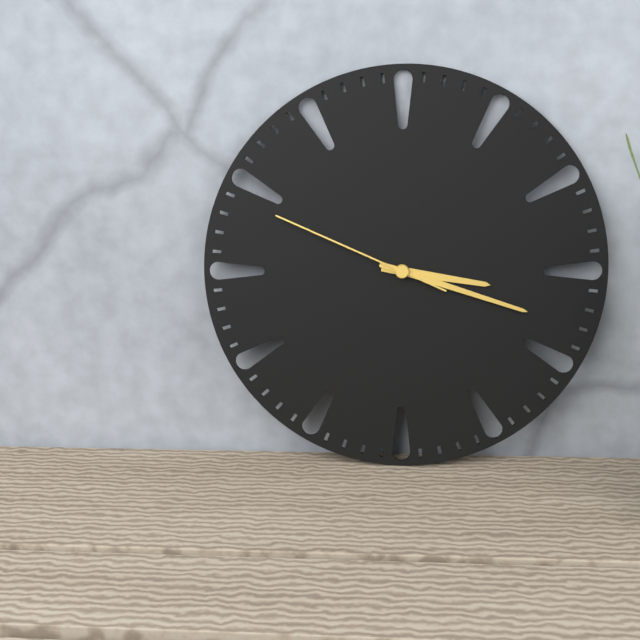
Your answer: 3 h 18 min 49 s
